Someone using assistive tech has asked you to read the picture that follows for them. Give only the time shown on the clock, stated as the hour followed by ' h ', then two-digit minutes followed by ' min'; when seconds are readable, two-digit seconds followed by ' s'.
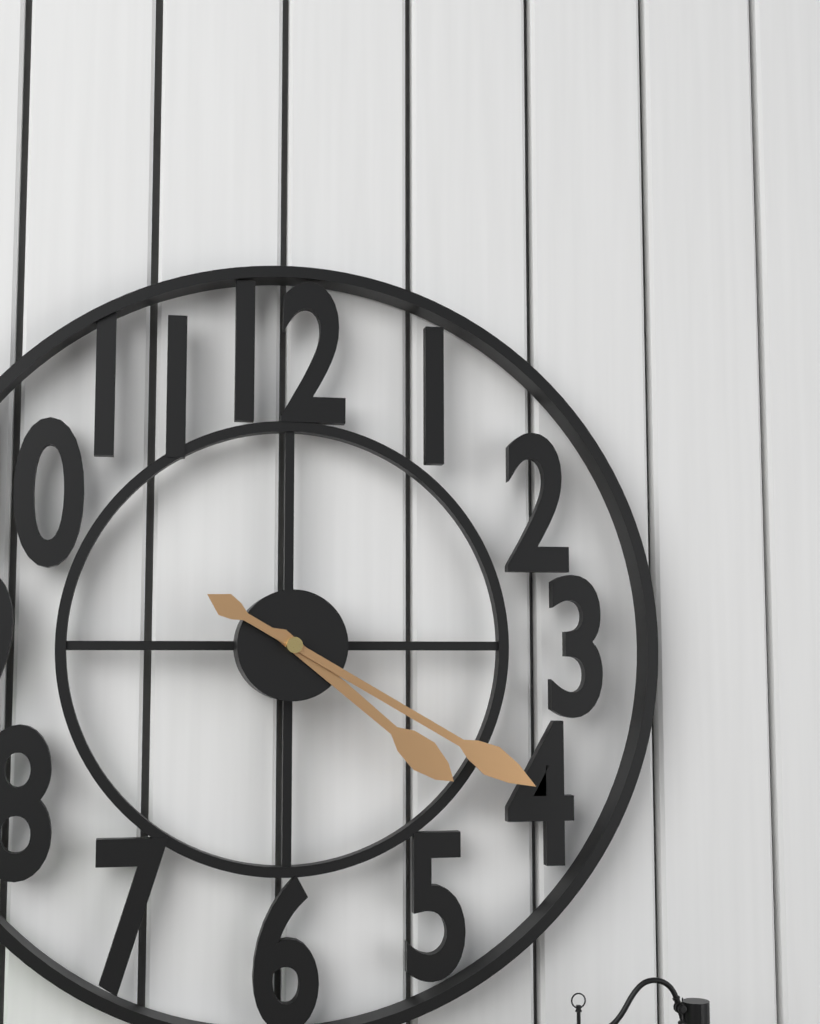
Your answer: 4 h 20 min
